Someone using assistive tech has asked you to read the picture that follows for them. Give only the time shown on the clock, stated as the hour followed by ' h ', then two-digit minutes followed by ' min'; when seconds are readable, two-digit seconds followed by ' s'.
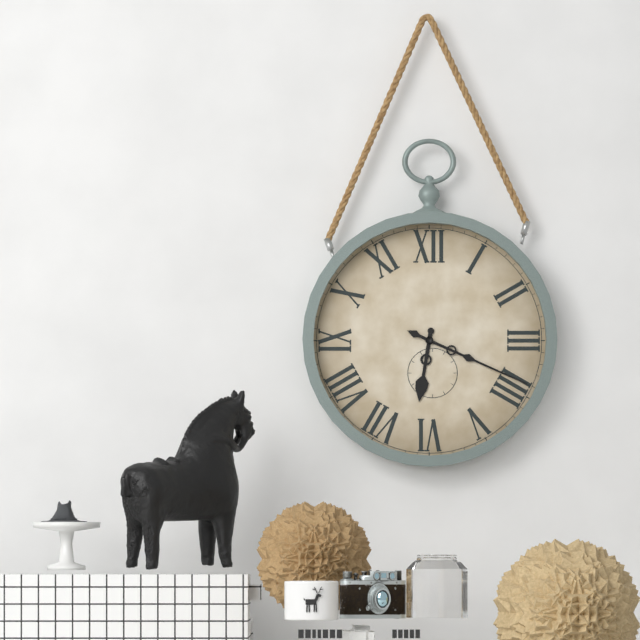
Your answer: 6 h 19 min
